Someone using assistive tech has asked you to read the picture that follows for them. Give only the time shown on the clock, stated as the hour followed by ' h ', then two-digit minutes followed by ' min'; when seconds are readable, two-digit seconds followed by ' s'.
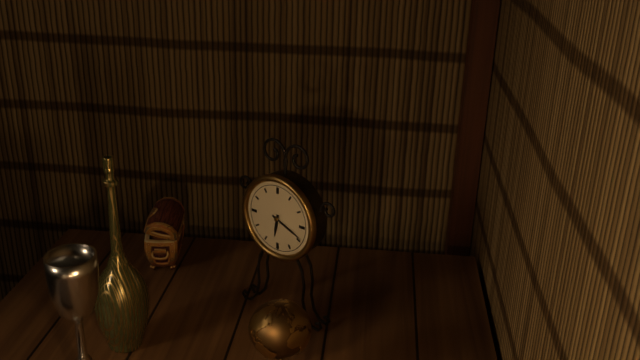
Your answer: 6 h 19 min
